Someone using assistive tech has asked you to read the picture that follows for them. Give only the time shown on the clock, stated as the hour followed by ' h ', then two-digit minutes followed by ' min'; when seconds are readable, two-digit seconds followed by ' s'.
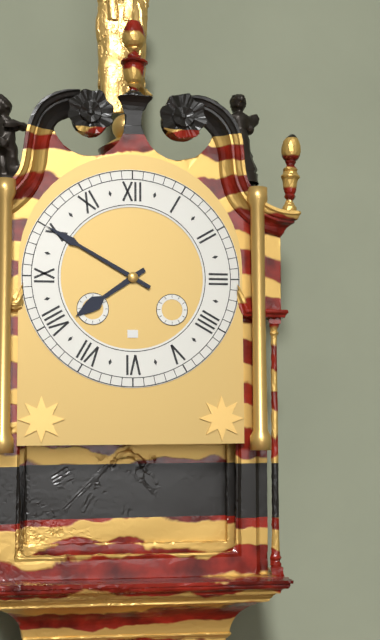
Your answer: 7 h 50 min
